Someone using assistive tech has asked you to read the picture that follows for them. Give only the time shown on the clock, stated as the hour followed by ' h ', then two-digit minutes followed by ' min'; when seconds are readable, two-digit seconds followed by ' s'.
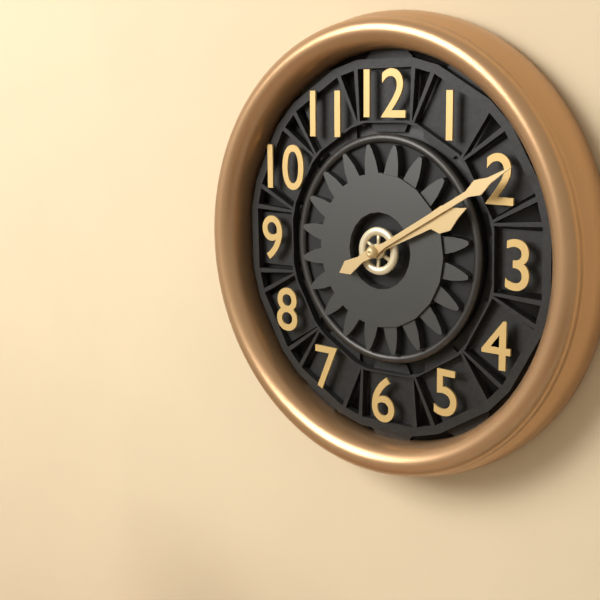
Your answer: 2 h 10 min
